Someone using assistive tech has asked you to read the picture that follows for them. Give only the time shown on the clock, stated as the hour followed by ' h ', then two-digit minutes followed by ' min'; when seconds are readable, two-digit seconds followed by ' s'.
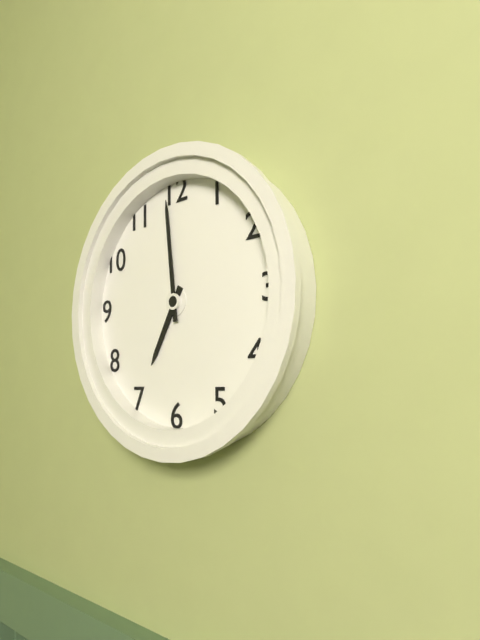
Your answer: 6 h 59 min
